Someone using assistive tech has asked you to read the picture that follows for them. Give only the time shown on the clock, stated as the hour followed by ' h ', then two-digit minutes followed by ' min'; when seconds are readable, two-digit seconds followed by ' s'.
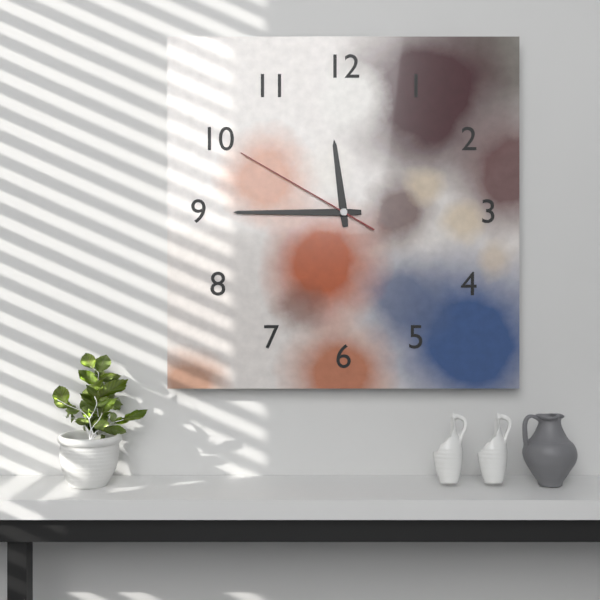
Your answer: 11 h 45 min 50 s
